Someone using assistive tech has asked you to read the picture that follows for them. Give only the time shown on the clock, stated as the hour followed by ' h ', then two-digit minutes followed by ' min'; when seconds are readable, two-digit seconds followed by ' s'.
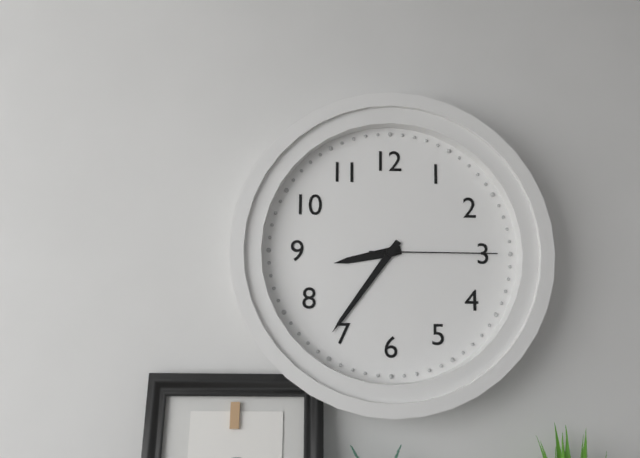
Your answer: 8 h 36 min 15 s
